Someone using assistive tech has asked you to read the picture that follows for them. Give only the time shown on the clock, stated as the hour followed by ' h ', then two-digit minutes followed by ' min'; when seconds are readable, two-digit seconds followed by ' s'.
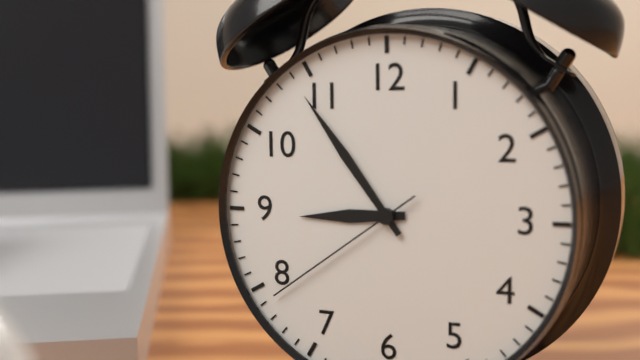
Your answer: 8 h 54 min 39 s
